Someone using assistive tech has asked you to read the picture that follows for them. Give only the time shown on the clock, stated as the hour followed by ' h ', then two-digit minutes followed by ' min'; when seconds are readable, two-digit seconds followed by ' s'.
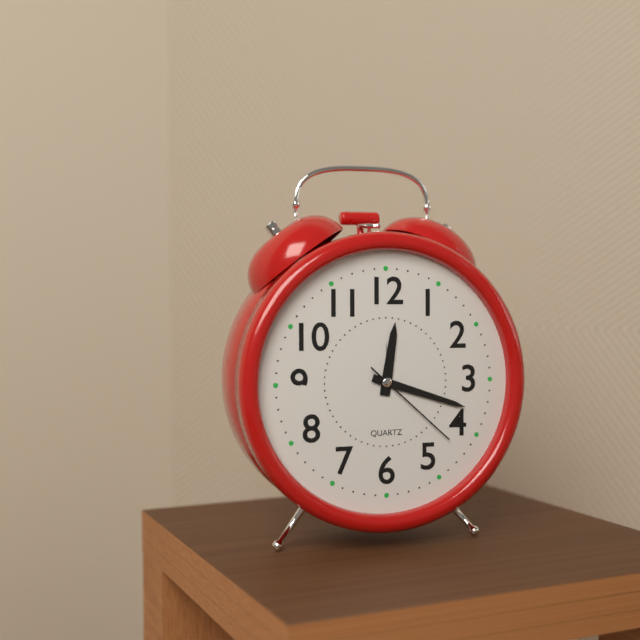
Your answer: 12 h 18 min 22 s
